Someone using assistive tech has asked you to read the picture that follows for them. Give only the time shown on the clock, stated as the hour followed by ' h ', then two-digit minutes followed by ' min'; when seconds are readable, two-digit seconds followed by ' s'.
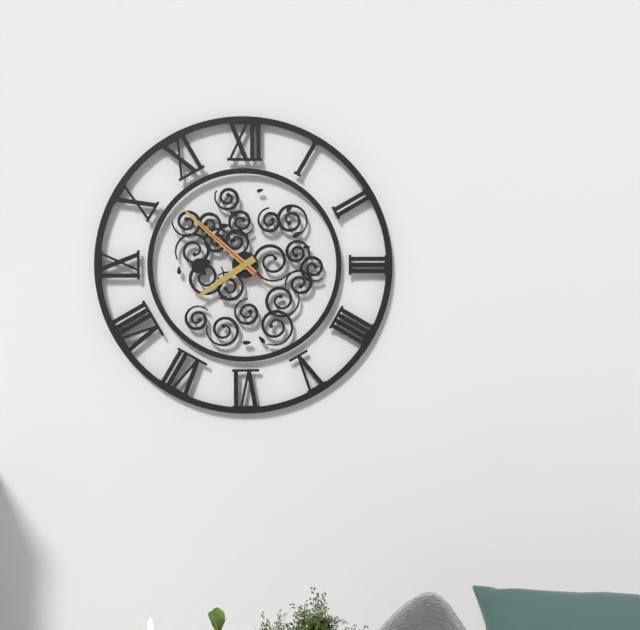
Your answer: 7 h 52 min 52 s
